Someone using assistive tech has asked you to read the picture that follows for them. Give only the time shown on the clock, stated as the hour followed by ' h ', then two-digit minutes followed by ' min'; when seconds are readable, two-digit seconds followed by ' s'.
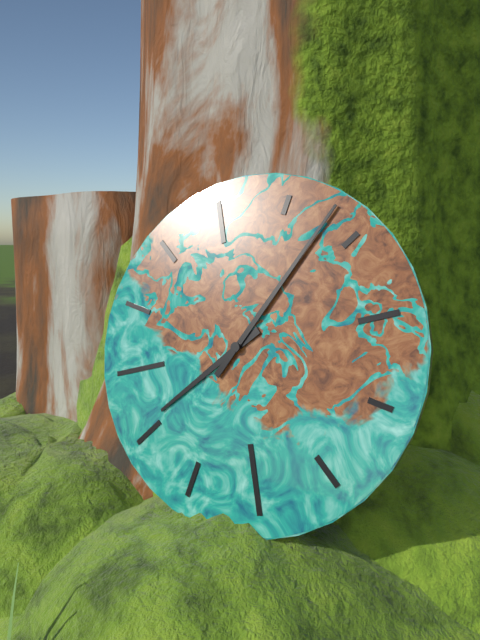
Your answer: 8 h 08 min
